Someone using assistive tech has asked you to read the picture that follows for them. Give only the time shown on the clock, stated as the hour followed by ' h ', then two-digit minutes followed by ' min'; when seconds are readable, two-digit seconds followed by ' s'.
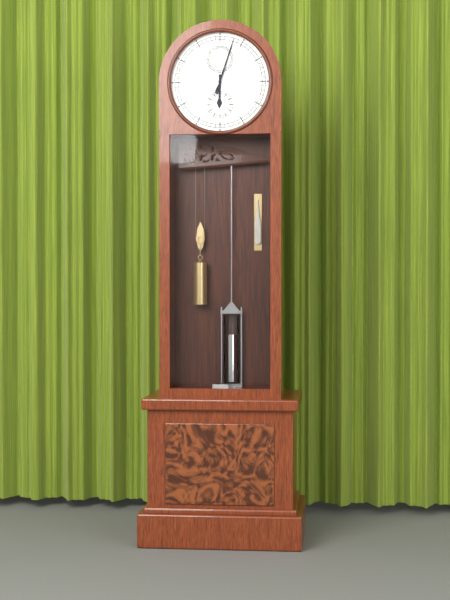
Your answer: 6 h 03 min
